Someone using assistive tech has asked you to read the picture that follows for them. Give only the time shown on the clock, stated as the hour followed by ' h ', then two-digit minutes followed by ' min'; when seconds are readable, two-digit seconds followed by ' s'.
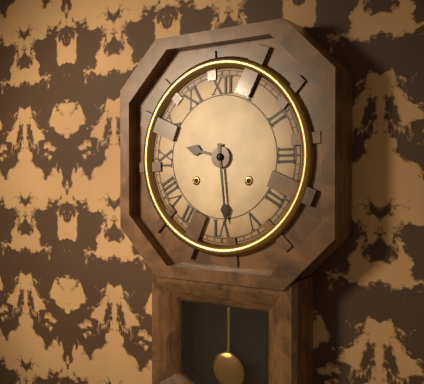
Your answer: 9 h 29 min
